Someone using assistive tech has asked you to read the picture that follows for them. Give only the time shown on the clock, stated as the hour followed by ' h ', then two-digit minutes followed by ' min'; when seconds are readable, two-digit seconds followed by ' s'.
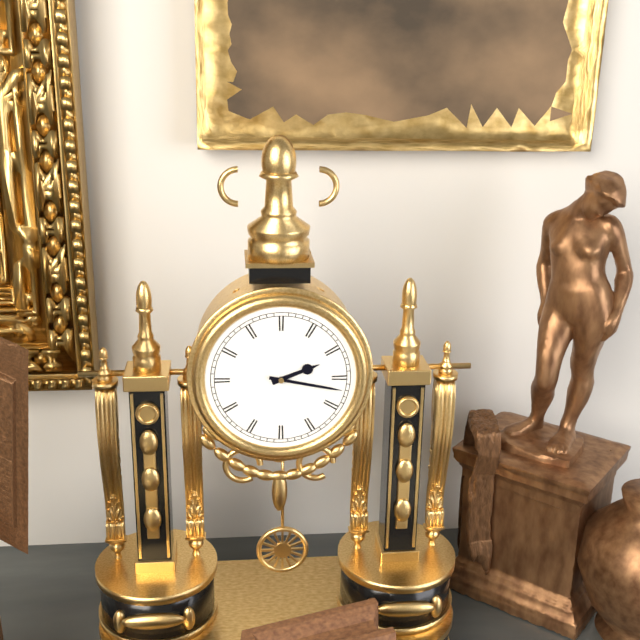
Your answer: 2 h 17 min
